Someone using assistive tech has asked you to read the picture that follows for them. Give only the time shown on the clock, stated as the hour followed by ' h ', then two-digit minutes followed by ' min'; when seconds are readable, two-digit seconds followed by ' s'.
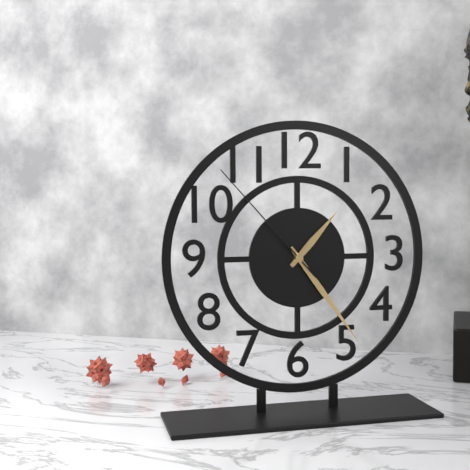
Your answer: 1 h 24 min 53 s
